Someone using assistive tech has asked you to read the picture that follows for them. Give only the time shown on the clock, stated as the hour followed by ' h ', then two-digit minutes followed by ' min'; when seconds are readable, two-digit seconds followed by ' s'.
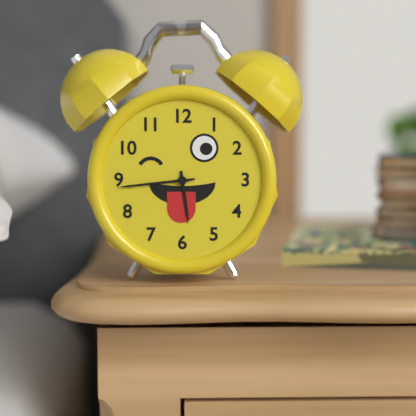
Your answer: 5 h 44 min
